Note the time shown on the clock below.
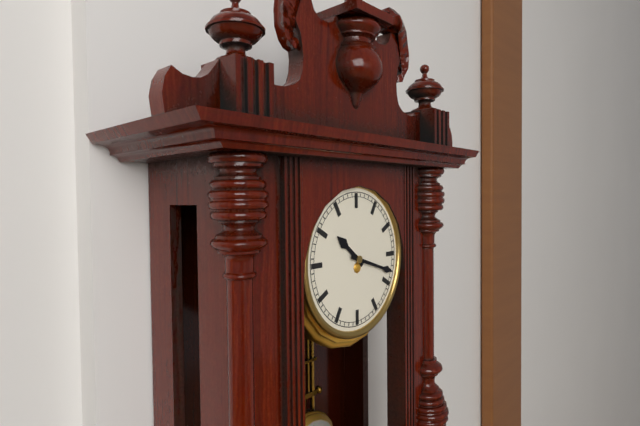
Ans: 10:18
